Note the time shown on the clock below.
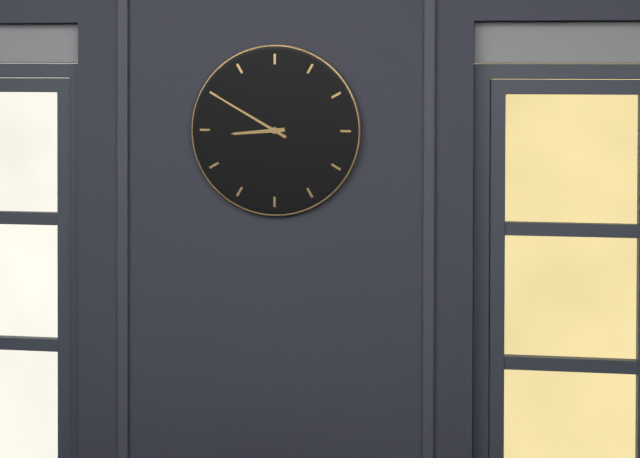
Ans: 8:50
